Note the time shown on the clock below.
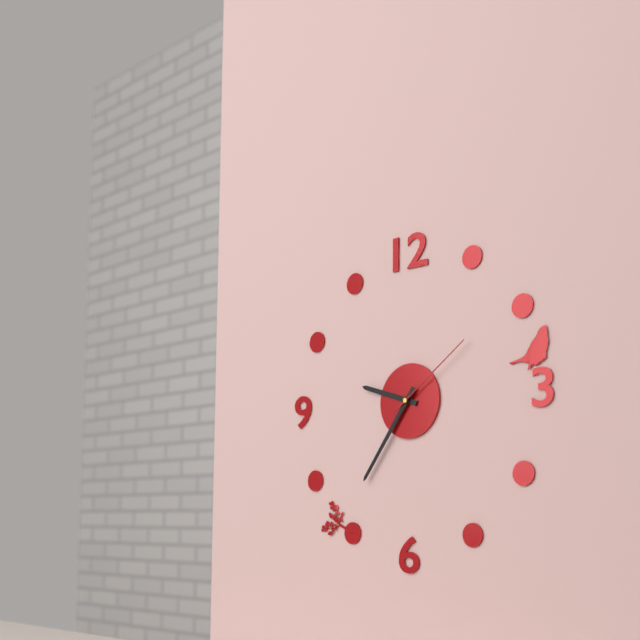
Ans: 9:36:09
